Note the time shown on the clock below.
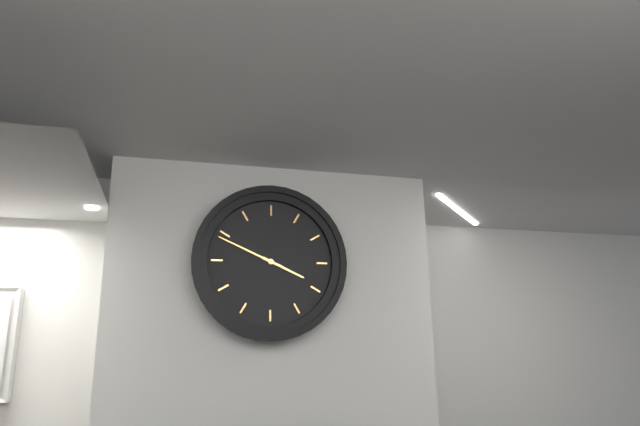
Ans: 3:49
